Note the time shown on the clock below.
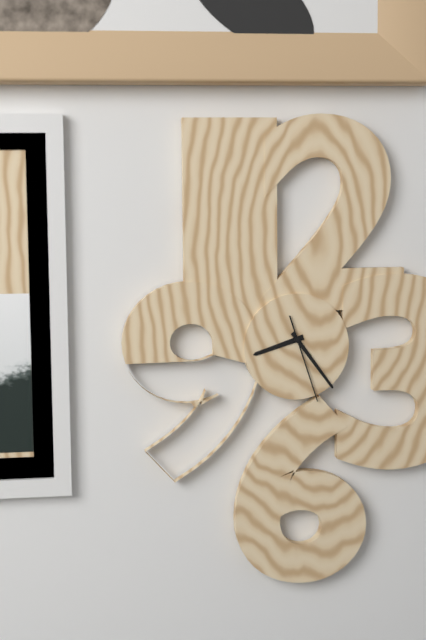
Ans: 8:24:27
